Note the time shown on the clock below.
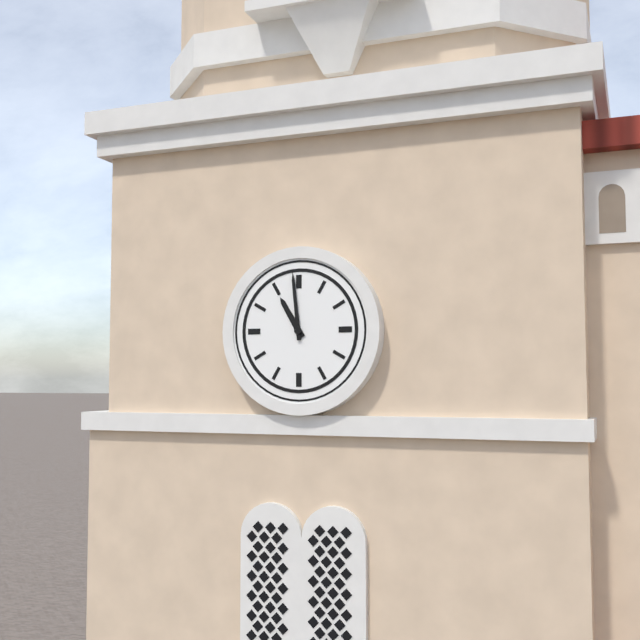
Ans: 10:59
